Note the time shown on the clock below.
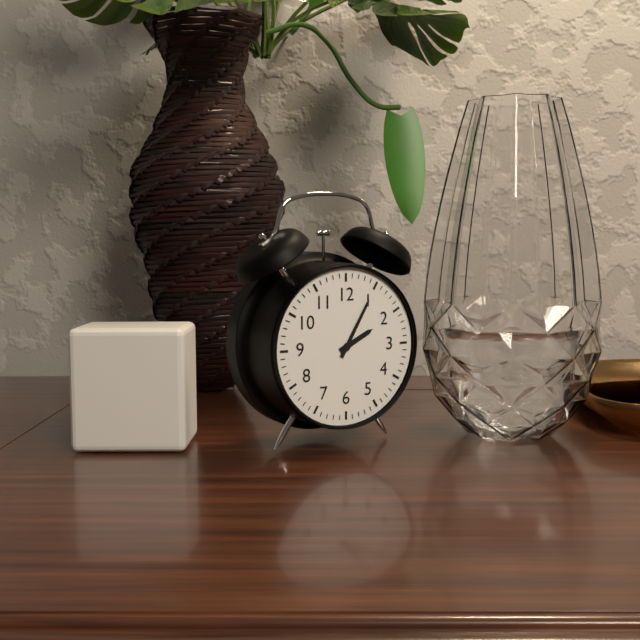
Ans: 2:05
